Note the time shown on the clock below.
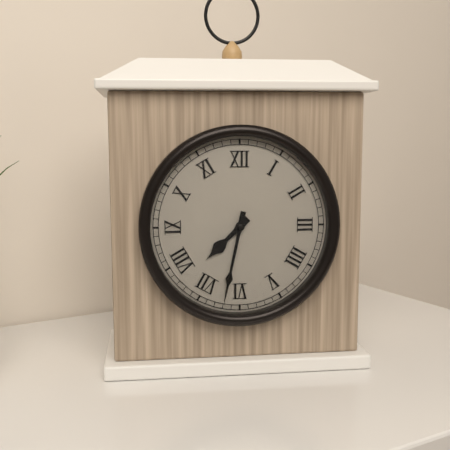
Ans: 7:32
